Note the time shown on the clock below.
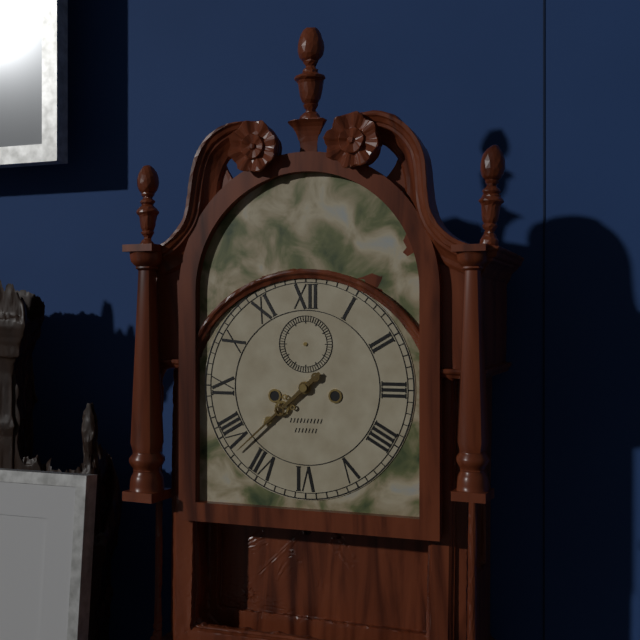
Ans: 7:38
